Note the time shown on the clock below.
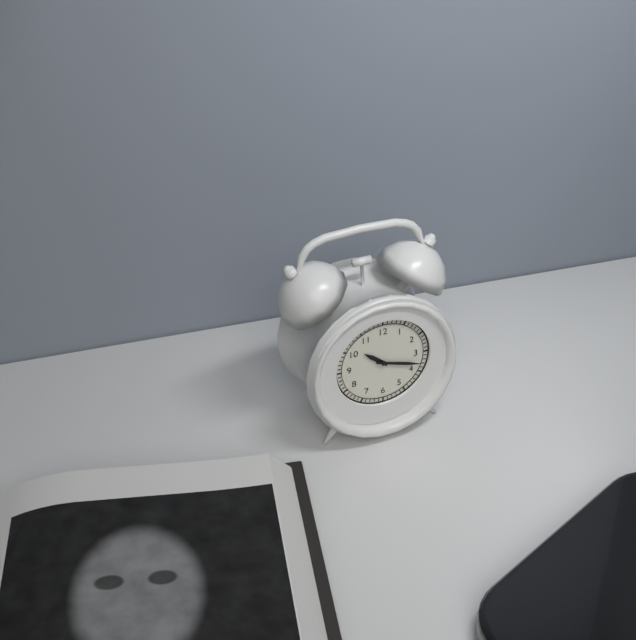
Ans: 10:18
